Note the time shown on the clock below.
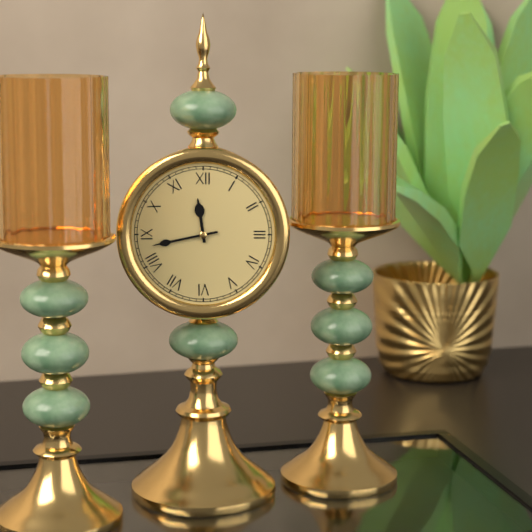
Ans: 11:43
